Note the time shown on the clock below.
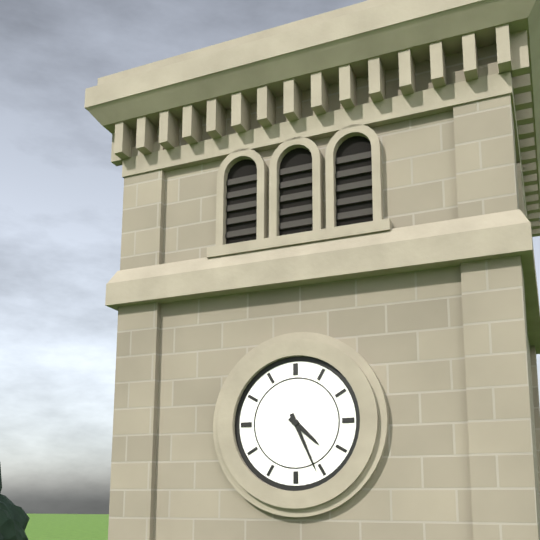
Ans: 4:26
